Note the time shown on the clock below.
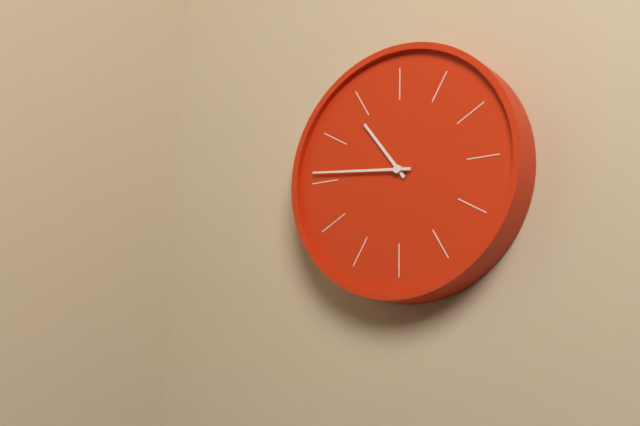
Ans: 10:46
